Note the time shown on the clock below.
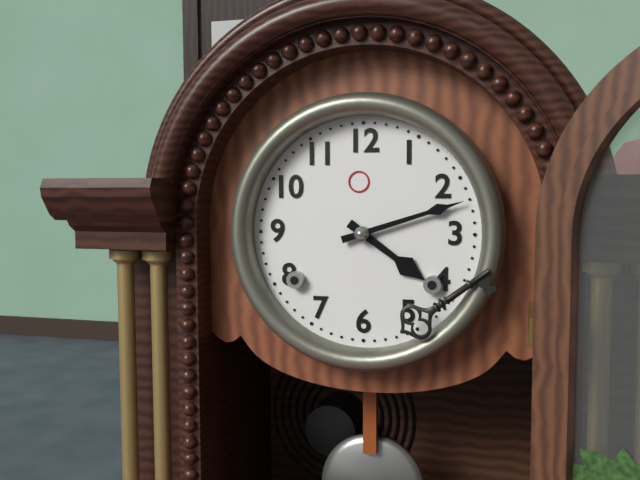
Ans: 4:12
